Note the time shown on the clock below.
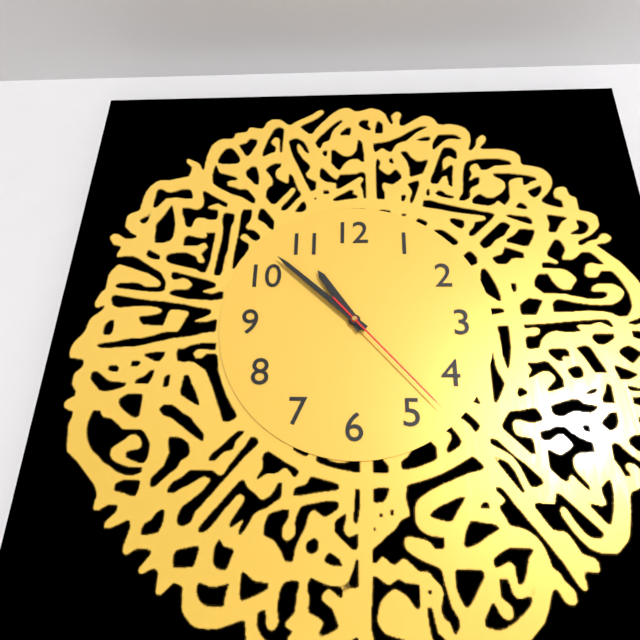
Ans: 10:52:23
